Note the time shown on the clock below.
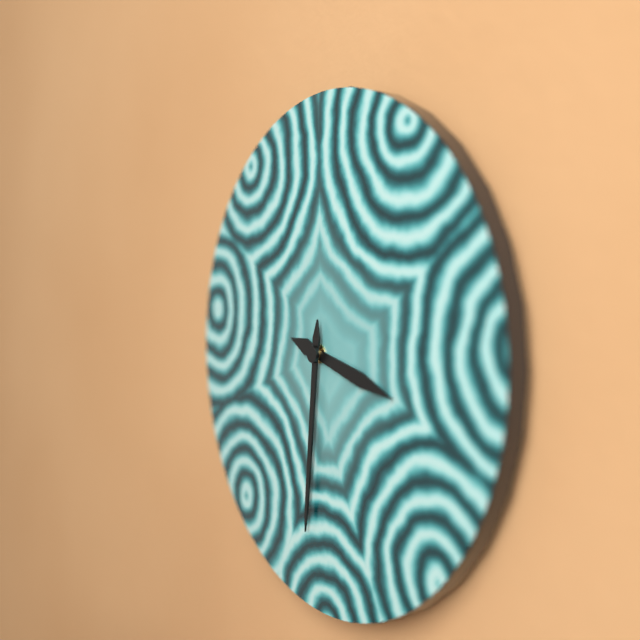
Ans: 3:31
